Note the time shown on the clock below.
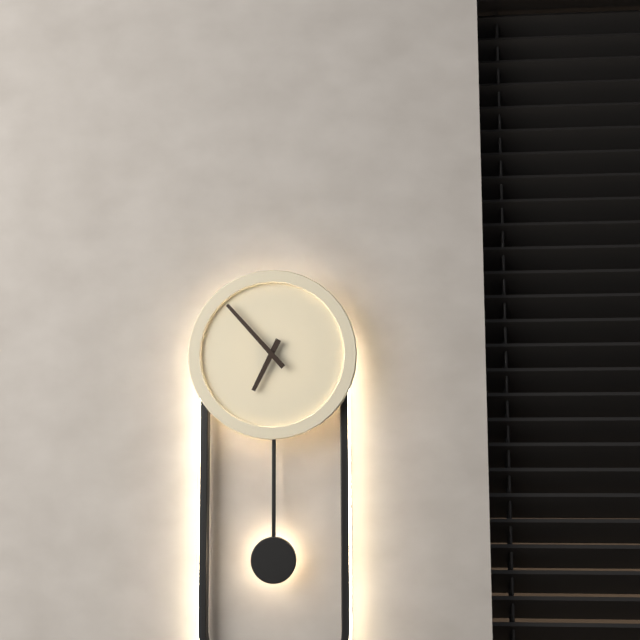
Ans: 6:53
